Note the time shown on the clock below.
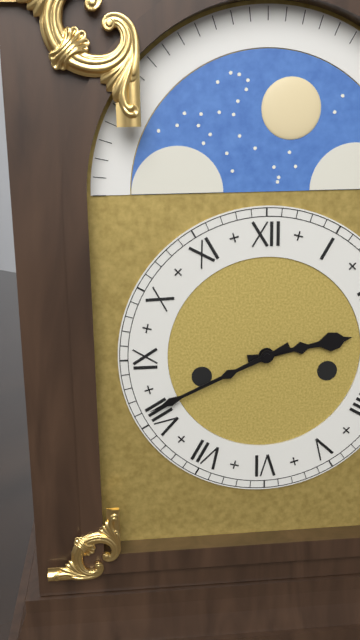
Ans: 2:41
